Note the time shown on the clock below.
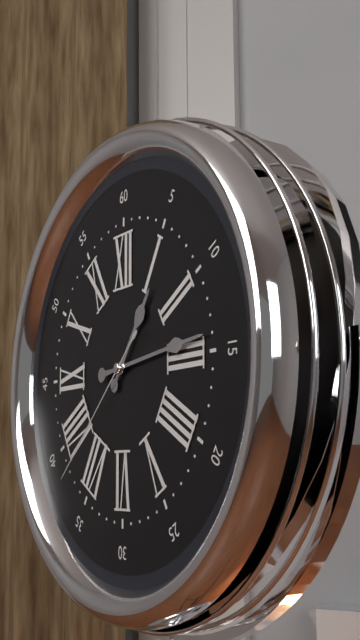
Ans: 1:14:38
